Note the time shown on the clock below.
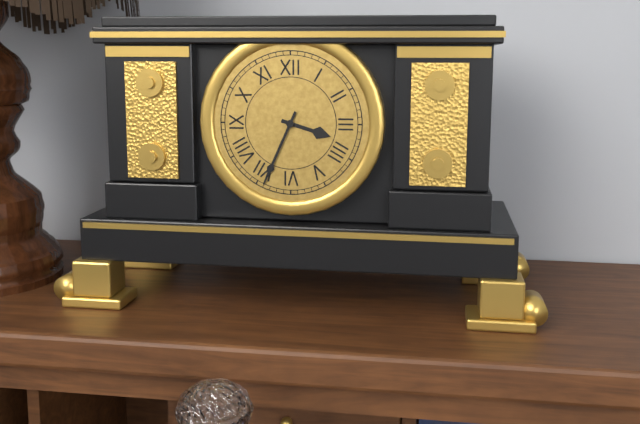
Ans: 3:34
